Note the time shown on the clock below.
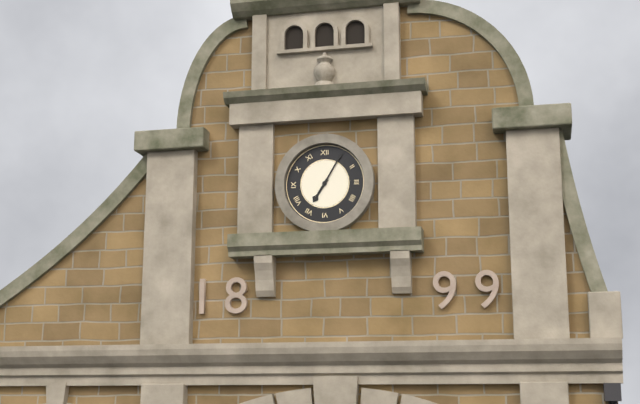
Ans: 7:05
